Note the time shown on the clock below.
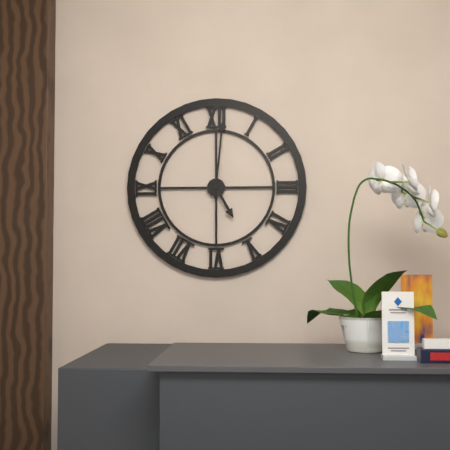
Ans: 5:01
